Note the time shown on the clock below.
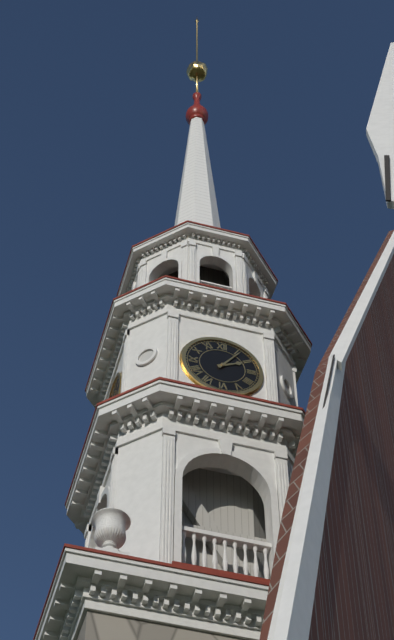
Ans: 2:06
